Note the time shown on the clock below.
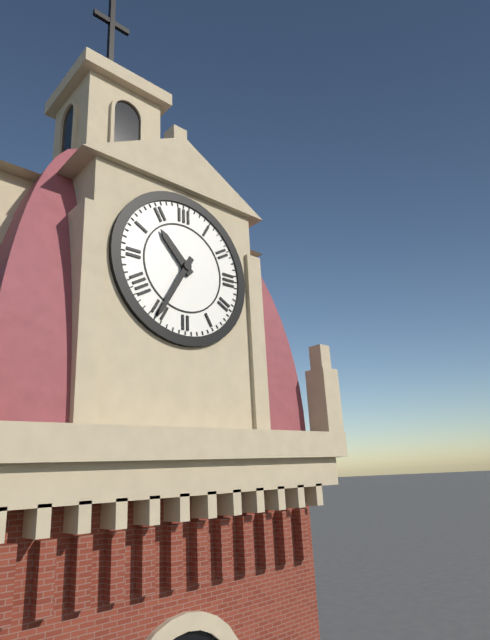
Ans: 10:35
